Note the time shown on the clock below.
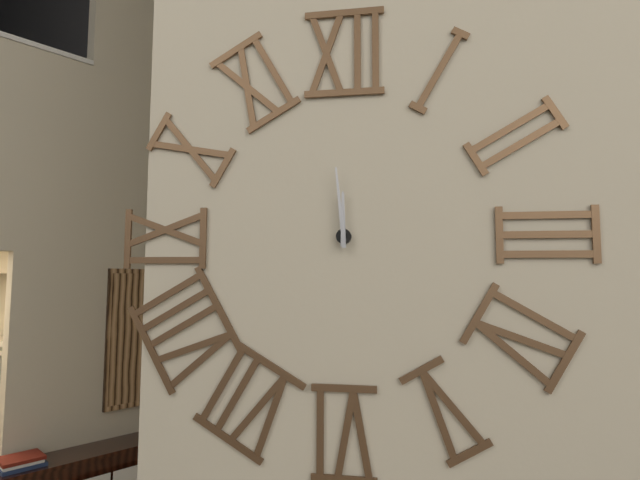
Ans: 11:59
